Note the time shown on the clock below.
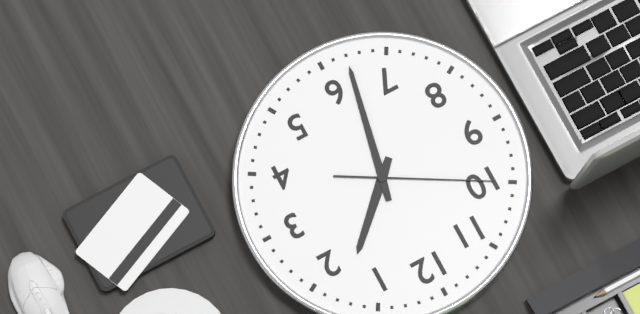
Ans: 1:32:50
